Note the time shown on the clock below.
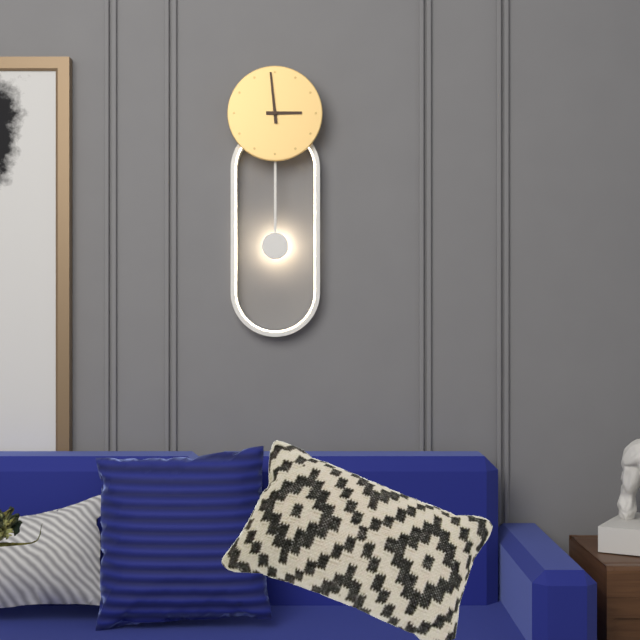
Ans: 2:59
